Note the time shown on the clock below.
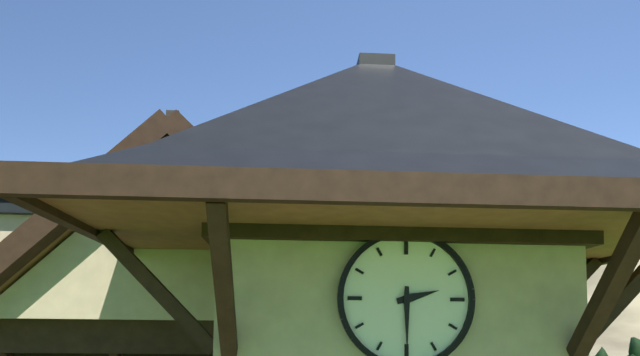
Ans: 2:30
